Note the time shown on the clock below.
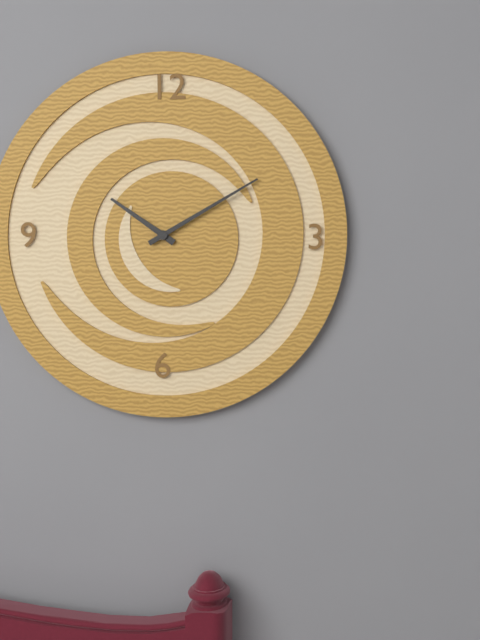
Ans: 10:10
